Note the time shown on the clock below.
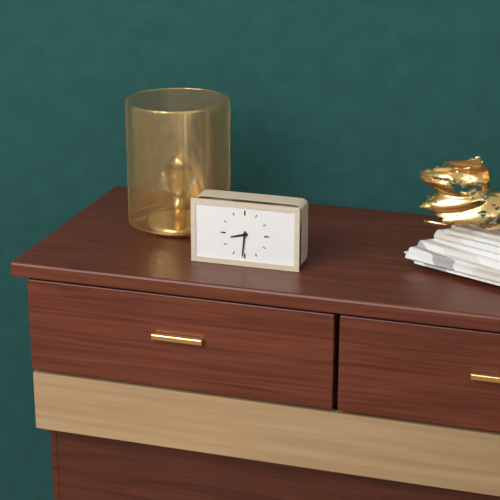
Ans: 8:31
